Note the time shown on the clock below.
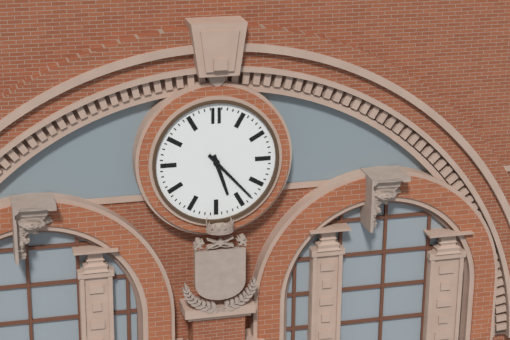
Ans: 5:23
